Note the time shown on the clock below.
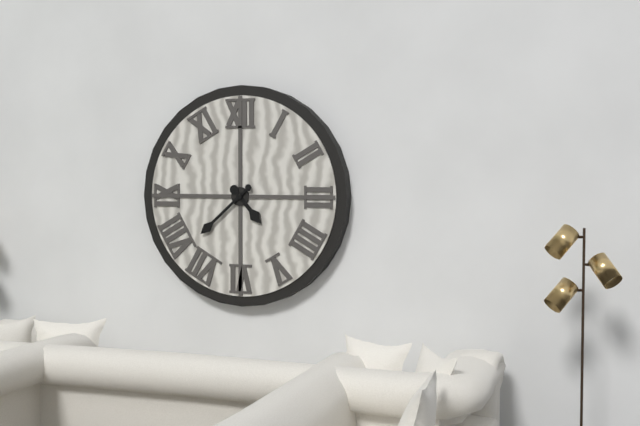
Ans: 4:38
